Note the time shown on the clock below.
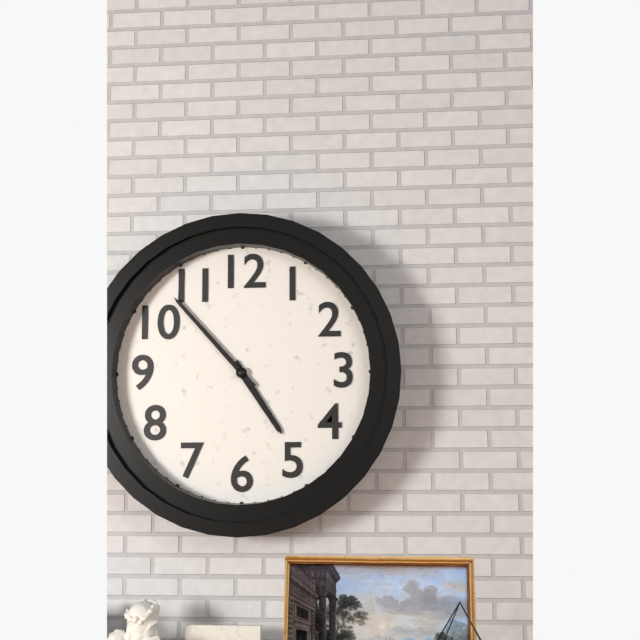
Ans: 4:53
